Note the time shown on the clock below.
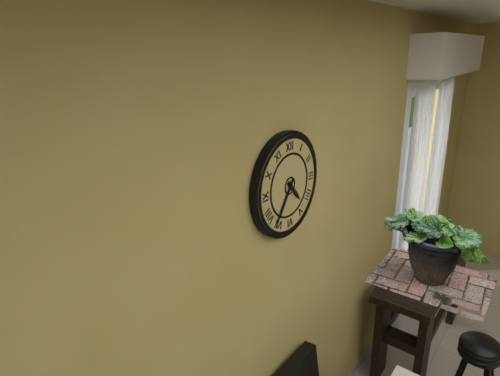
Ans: 4:36
